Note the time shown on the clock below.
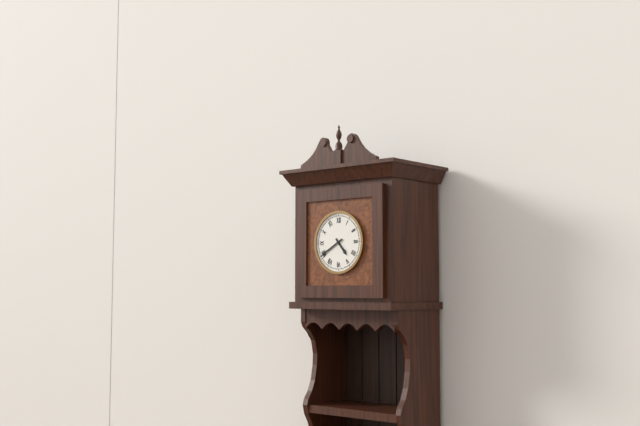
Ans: 4:40
